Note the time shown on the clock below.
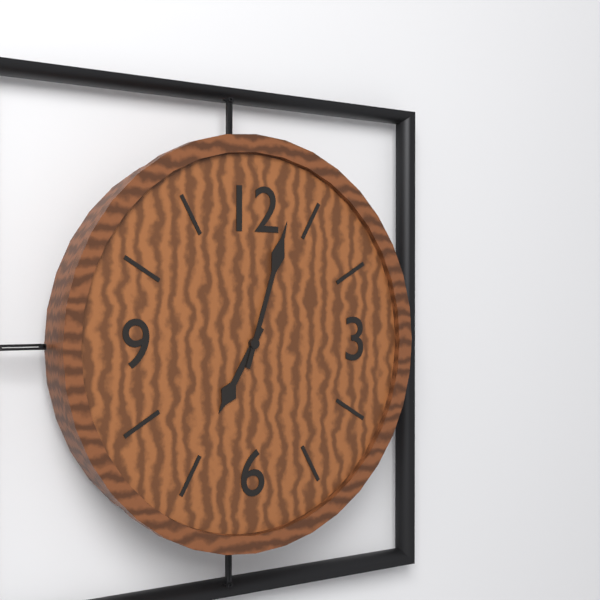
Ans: 7:03
